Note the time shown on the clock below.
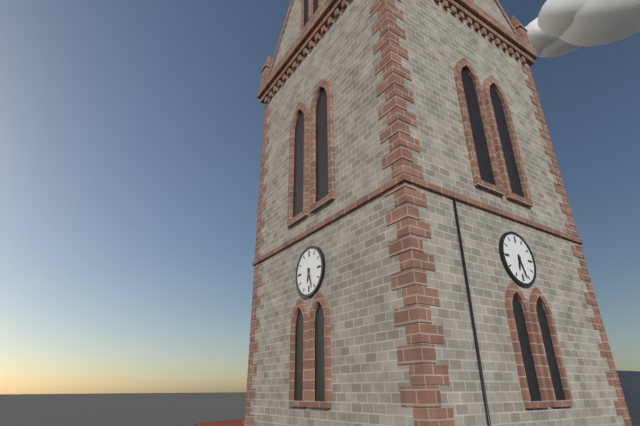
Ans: 6:27
